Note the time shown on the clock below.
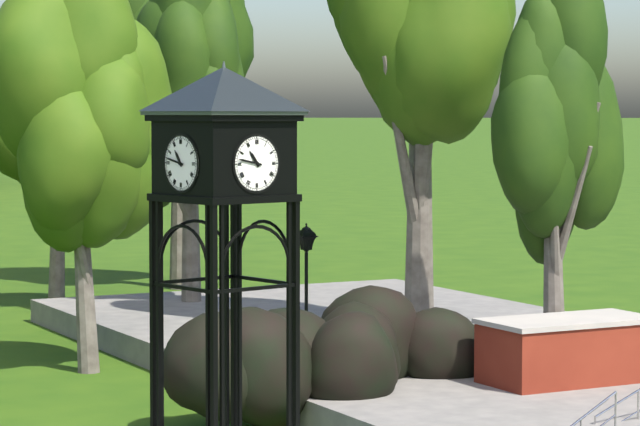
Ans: 10:47
